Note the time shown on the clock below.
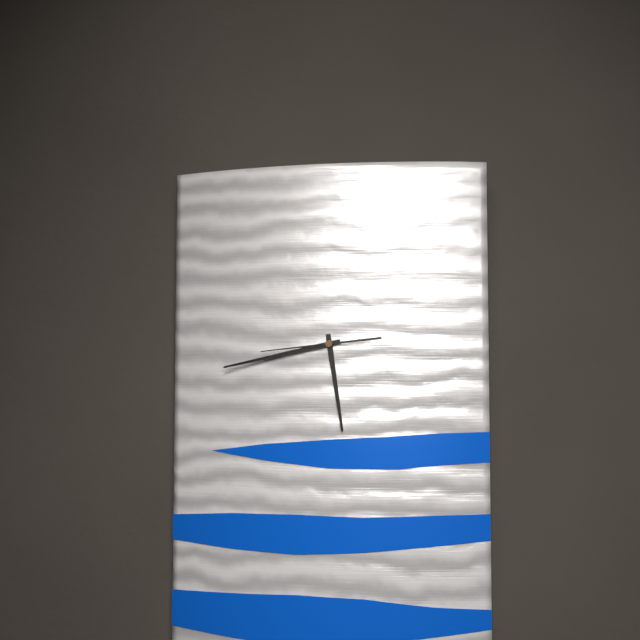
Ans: 5:43:44
